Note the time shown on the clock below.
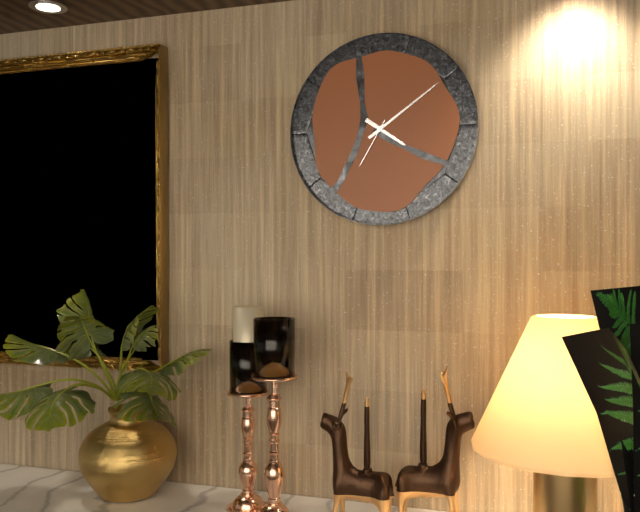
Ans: 4:09:35
